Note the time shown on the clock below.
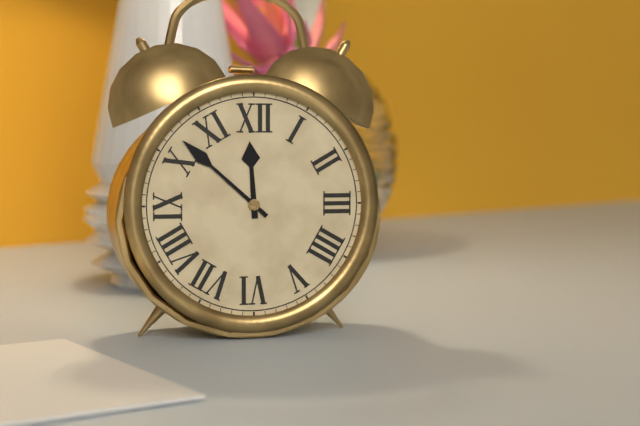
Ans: 11:52
